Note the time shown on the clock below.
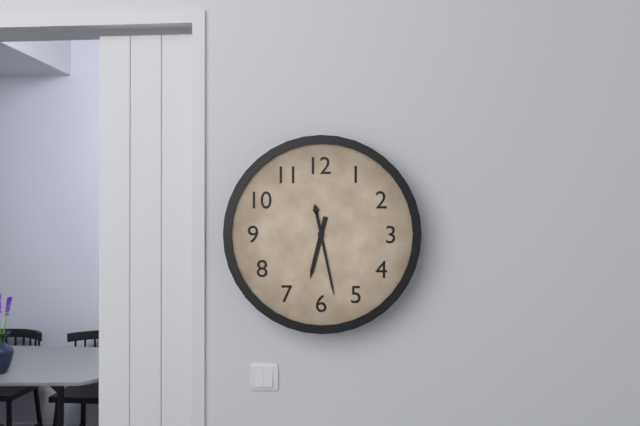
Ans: 6:28
